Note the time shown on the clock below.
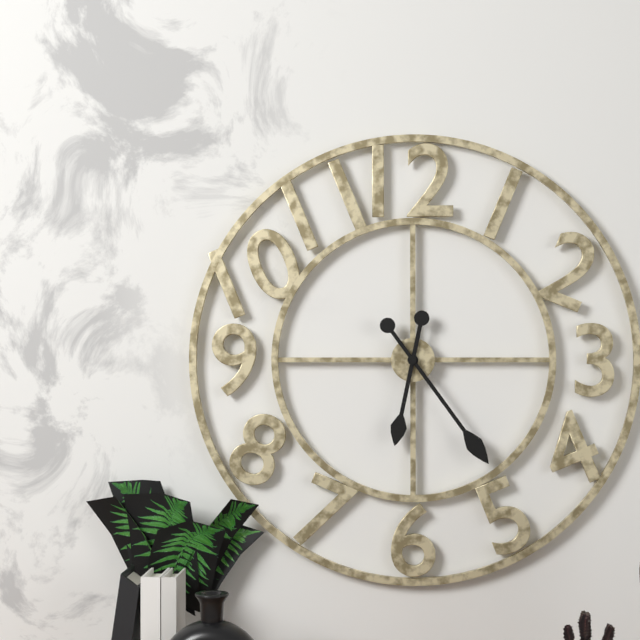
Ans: 6:24
